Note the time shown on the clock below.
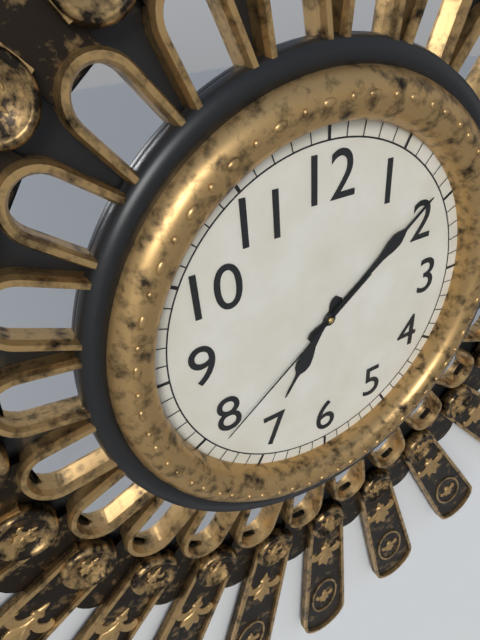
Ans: 7:09:39
